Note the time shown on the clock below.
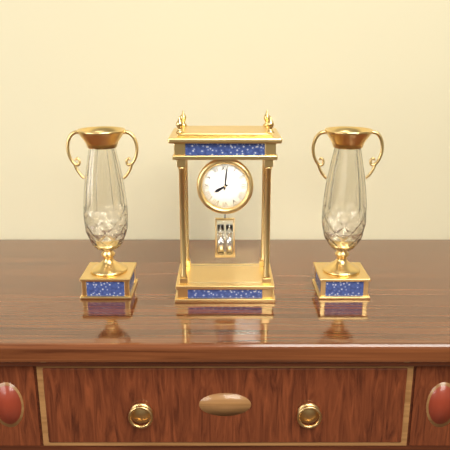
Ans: 8:01
